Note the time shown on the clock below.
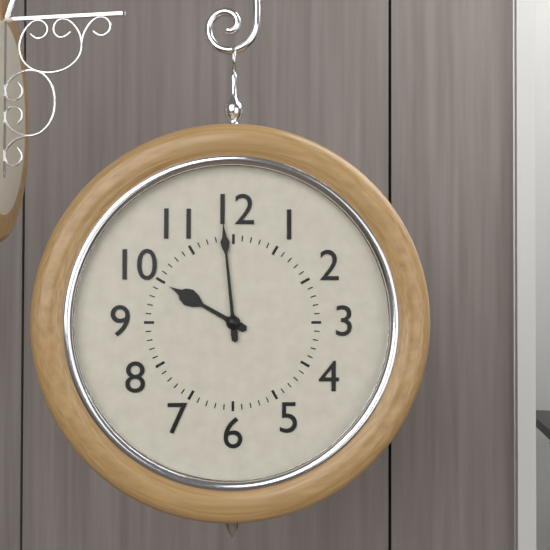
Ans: 9:59
